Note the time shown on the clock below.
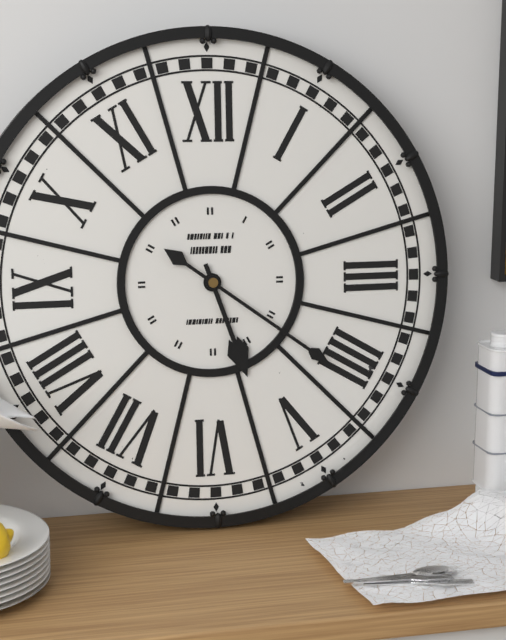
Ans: 5:21
